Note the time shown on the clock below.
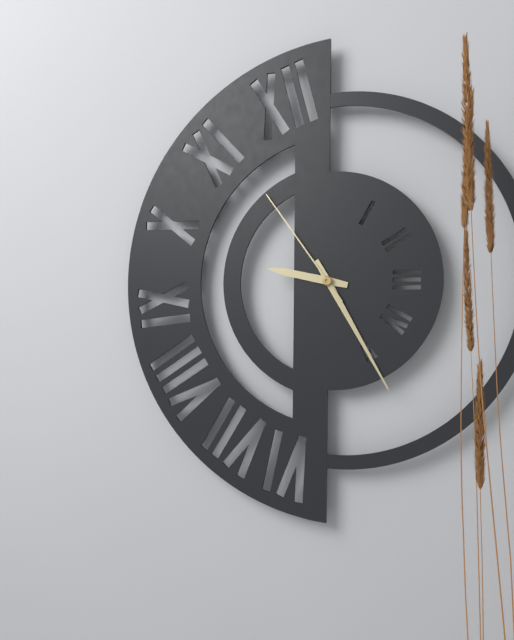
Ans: 9:25:54
